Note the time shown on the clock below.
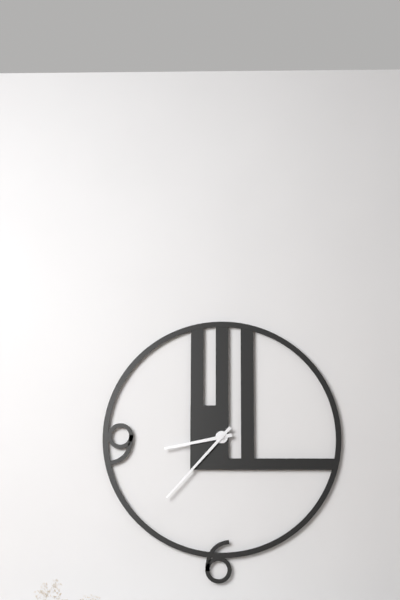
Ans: 8:37
